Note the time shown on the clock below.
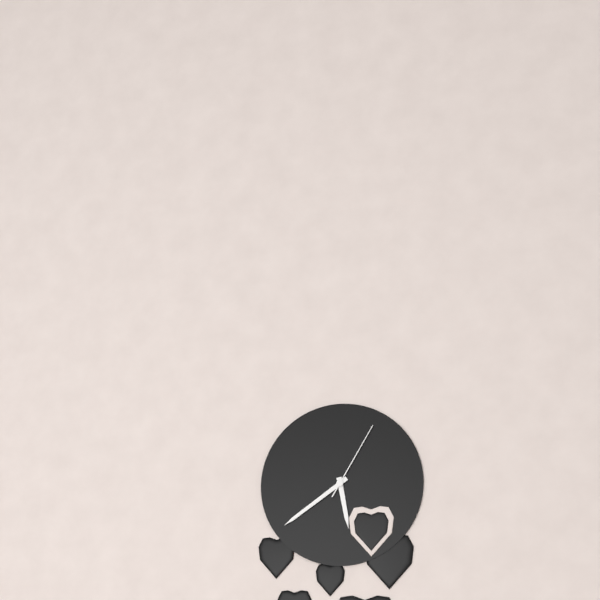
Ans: 5:39:05
